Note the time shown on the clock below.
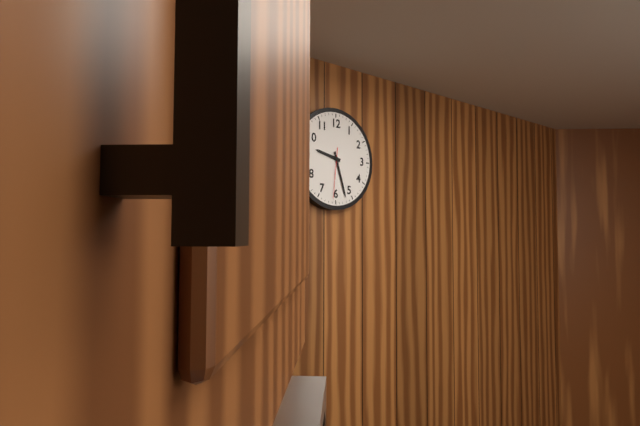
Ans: 9:27:31
